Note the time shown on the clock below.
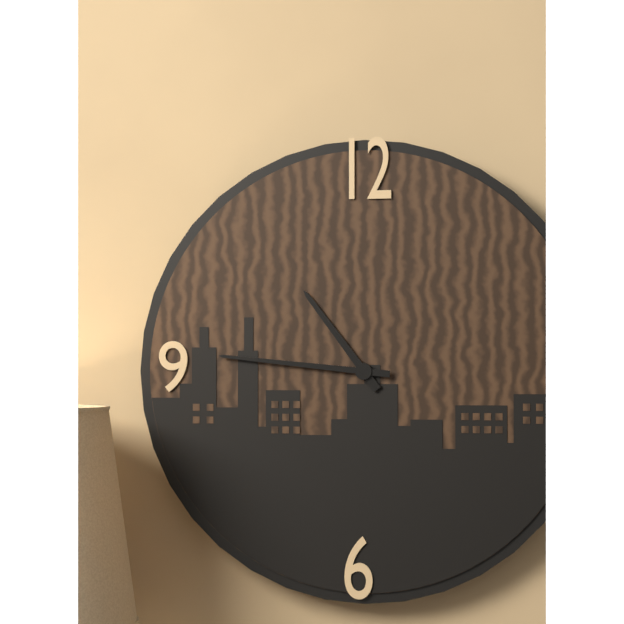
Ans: 10:46
